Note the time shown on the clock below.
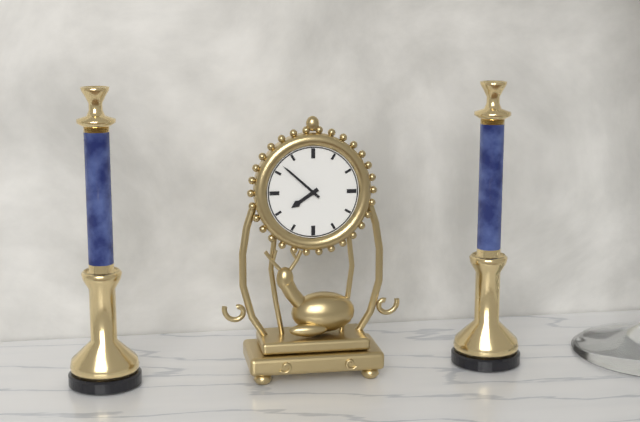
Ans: 7:52
